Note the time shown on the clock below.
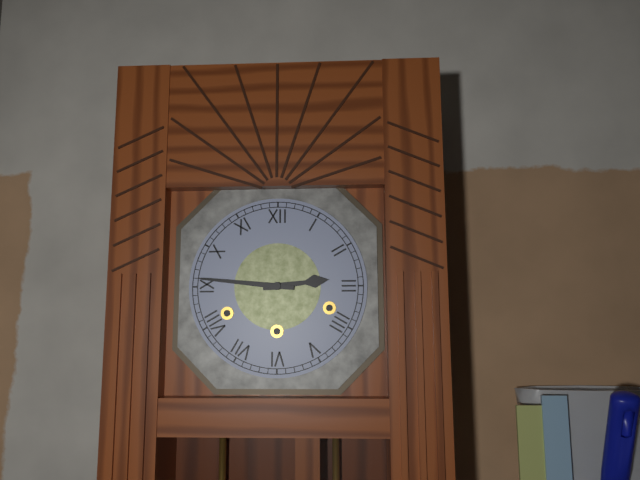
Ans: 2:46
